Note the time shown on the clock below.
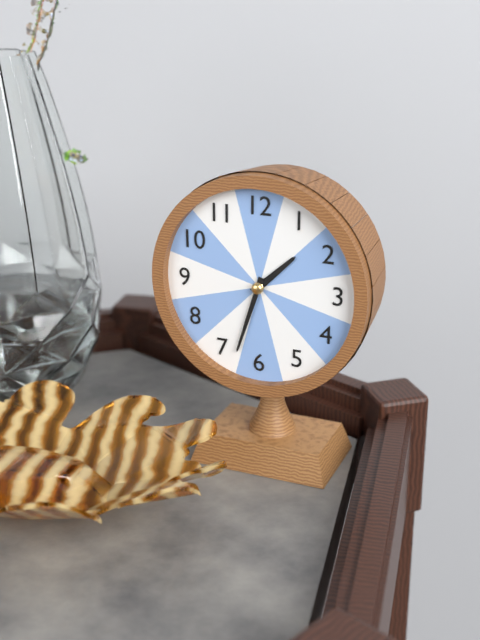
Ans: 1:33
